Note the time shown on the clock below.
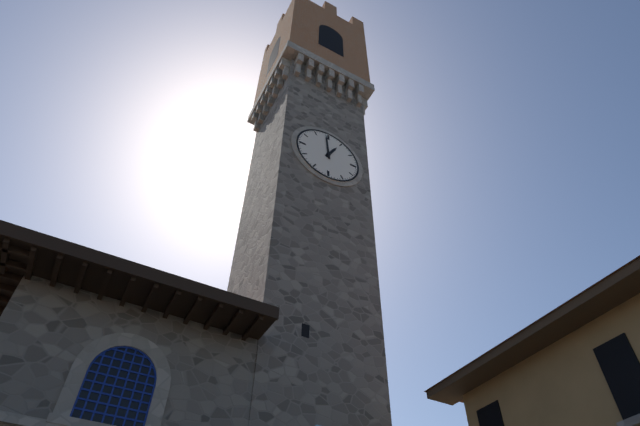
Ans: 12:59
